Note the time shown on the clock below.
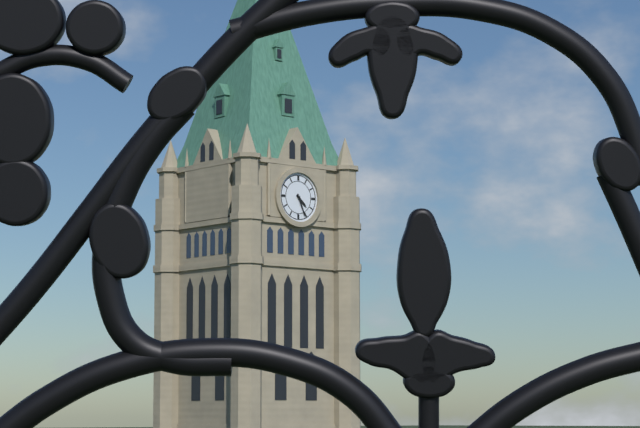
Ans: 4:26
